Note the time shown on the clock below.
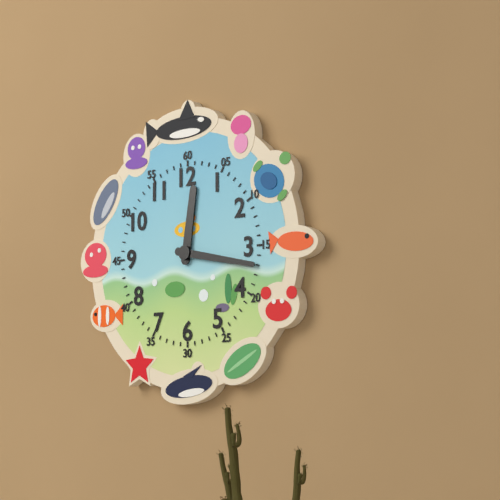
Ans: 12:17
